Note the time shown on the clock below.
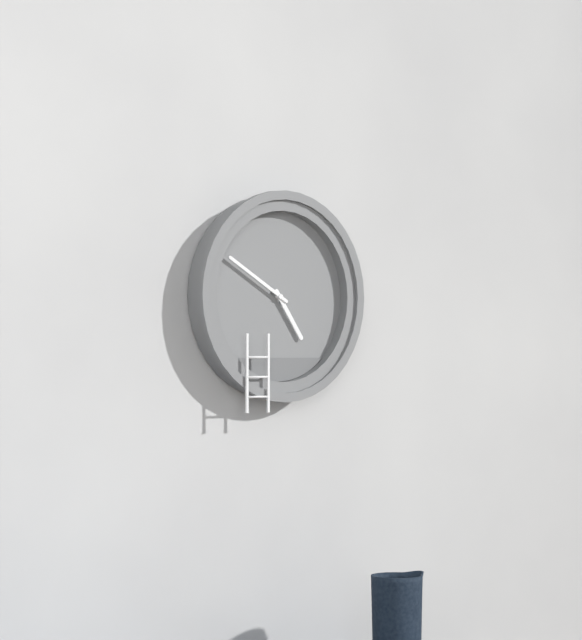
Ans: 4:50
